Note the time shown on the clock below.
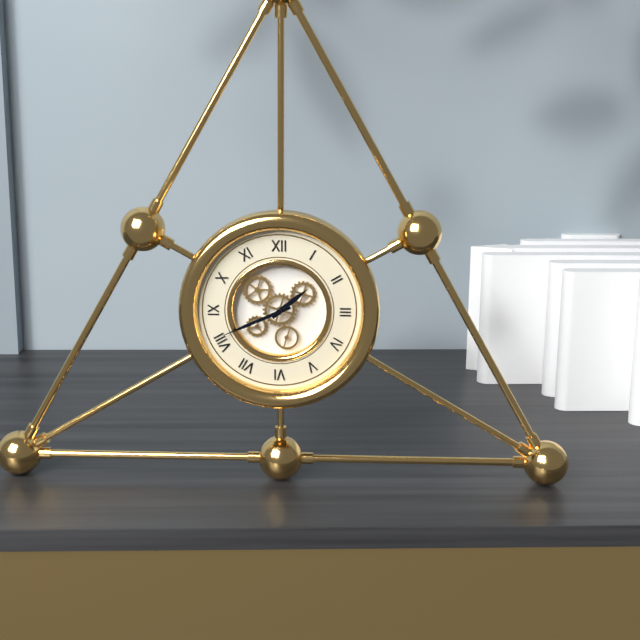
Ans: 1:41
